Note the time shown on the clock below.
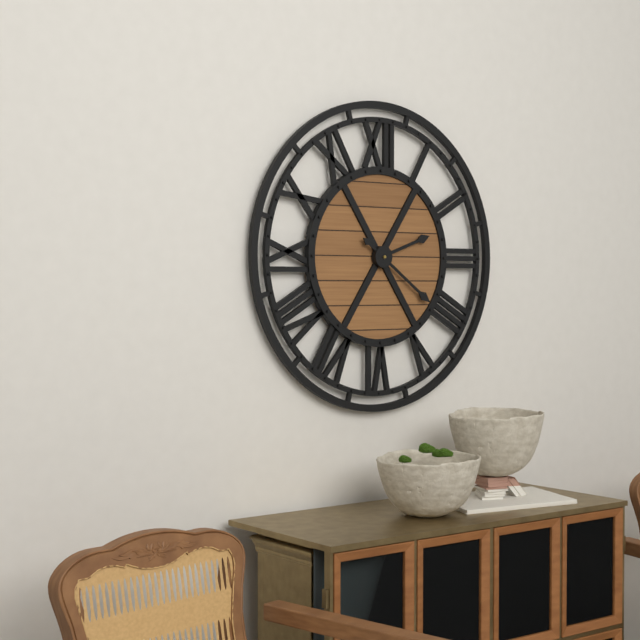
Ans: 2:21
